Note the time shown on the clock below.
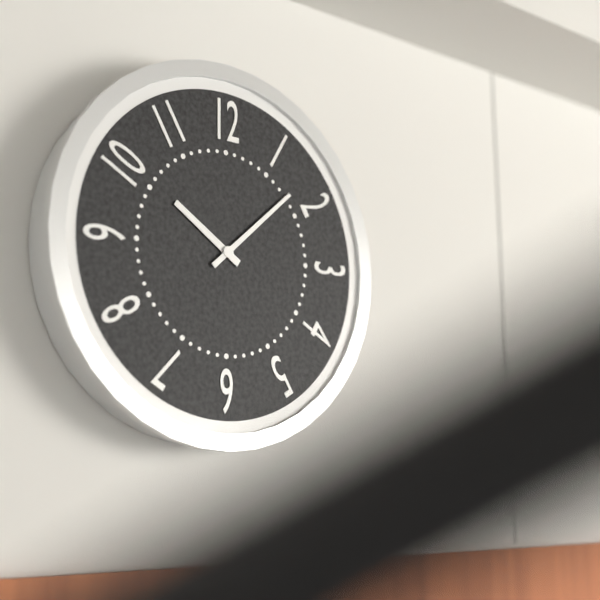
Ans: 10:08
